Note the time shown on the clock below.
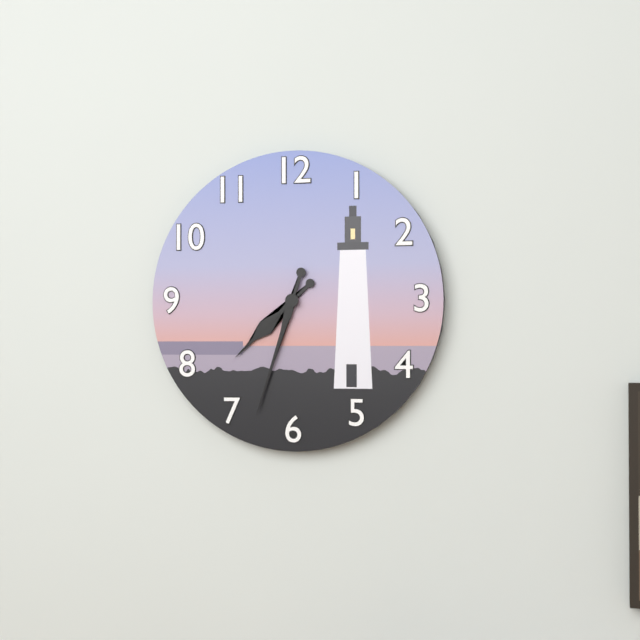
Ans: 7:33
